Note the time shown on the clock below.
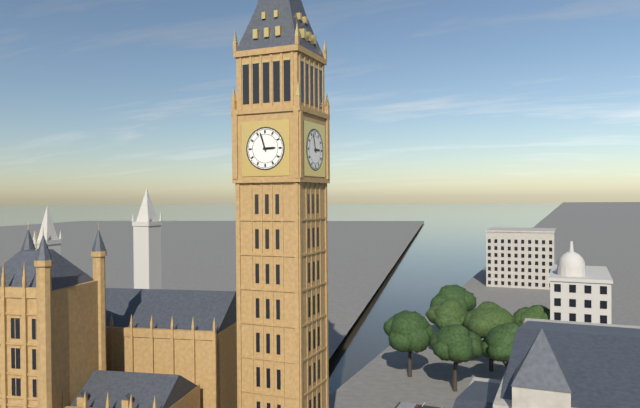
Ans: 2:57
